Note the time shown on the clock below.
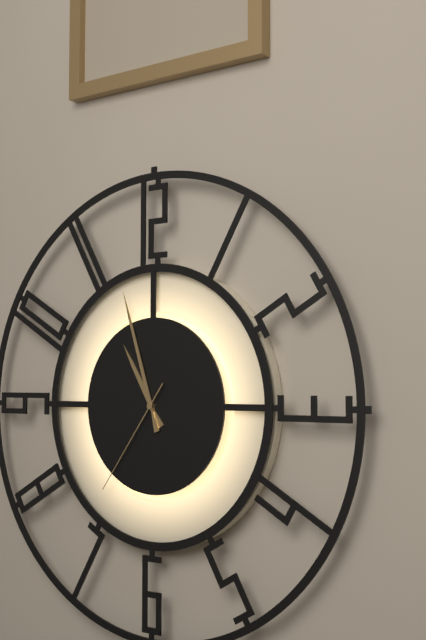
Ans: 10:57:36
